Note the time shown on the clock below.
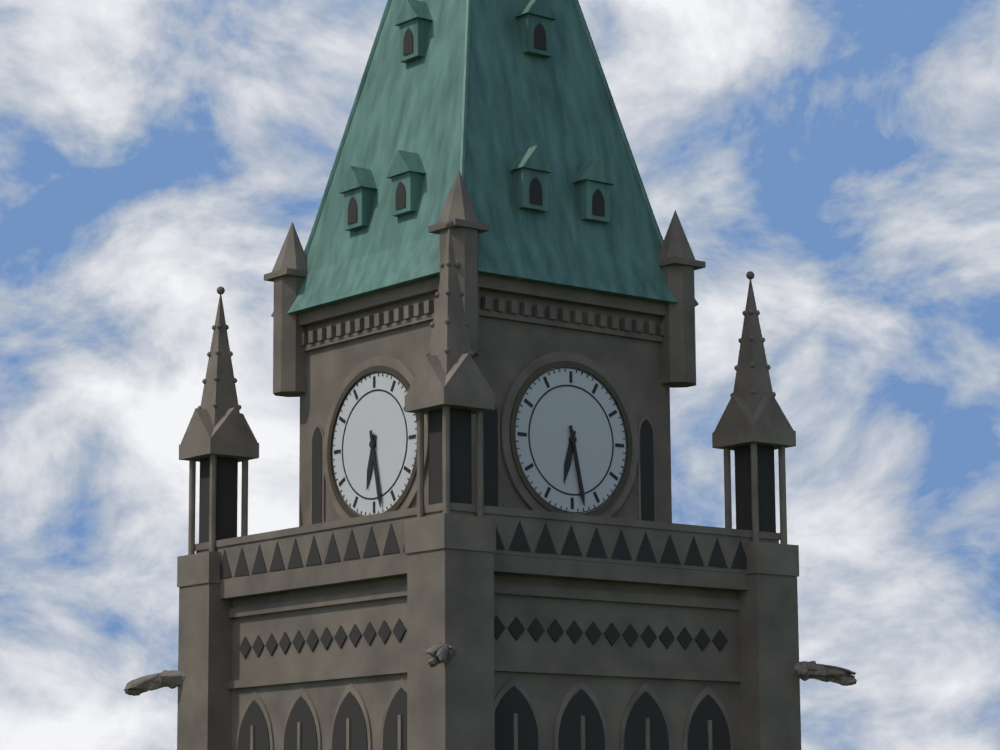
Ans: 6:28
